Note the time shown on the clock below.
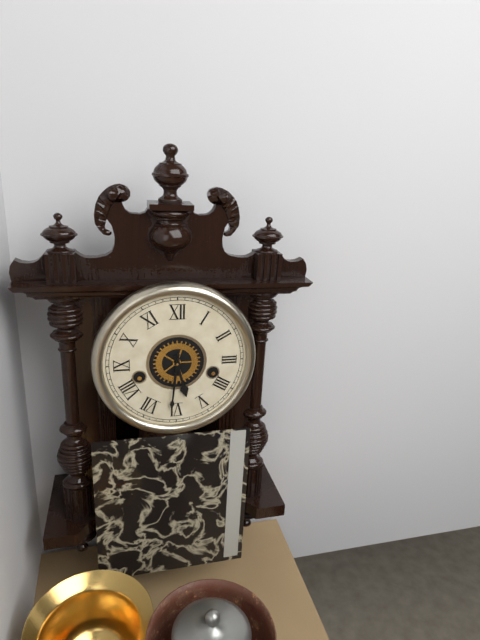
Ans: 5:31
